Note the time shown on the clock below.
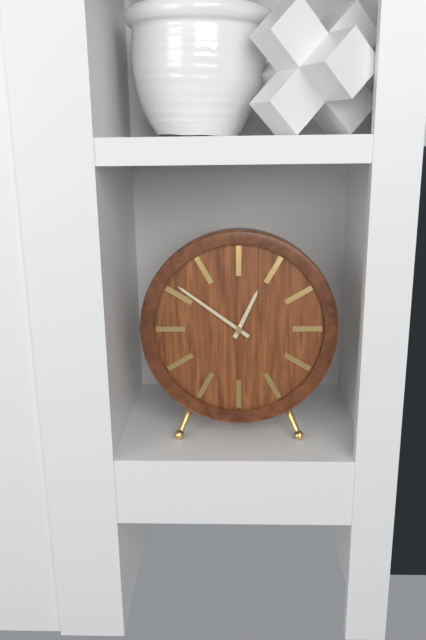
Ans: 12:51
